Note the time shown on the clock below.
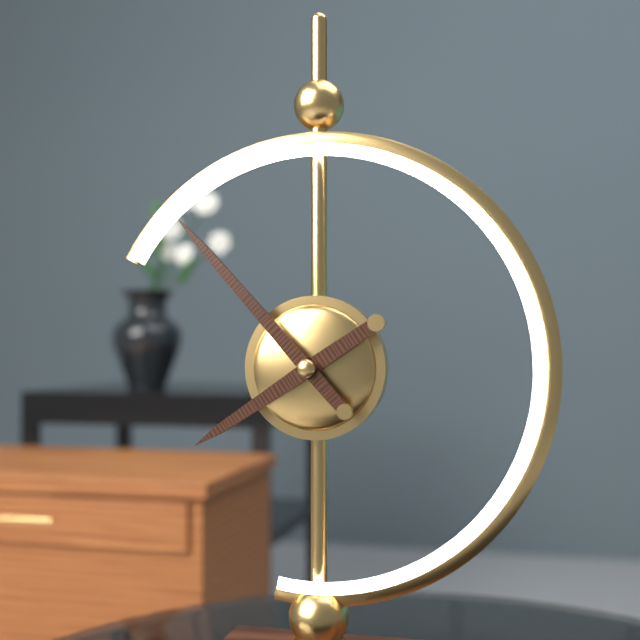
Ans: 7:53
